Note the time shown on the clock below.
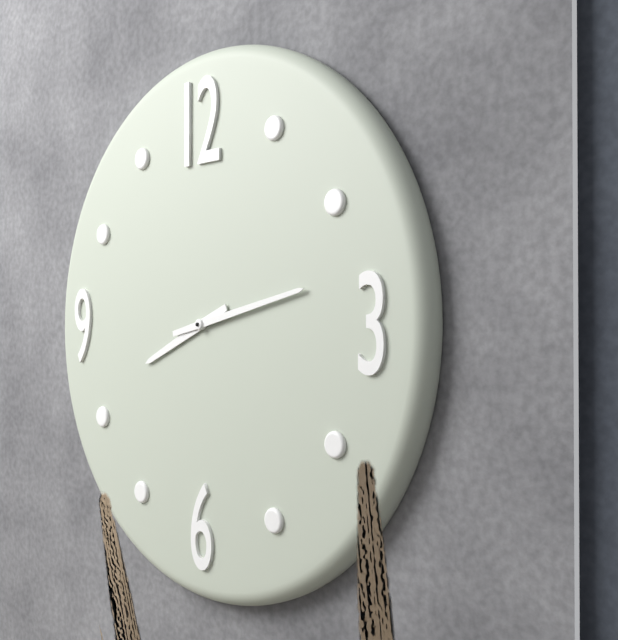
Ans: 8:13
